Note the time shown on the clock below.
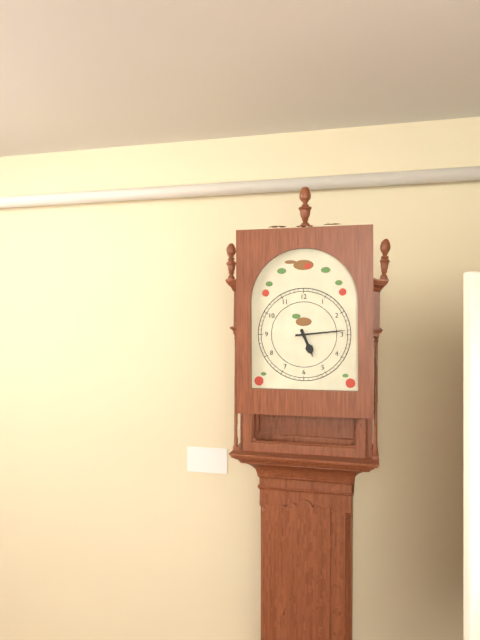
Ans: 5:14
